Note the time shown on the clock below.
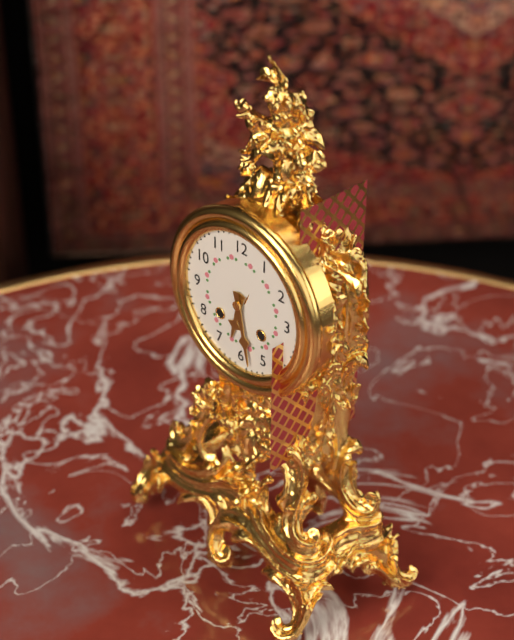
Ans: 6:28
